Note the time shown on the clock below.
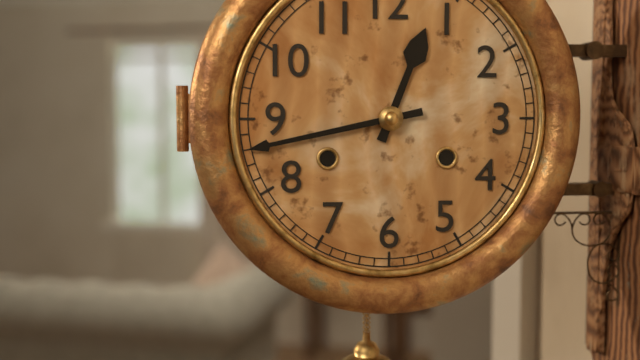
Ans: 12:43
